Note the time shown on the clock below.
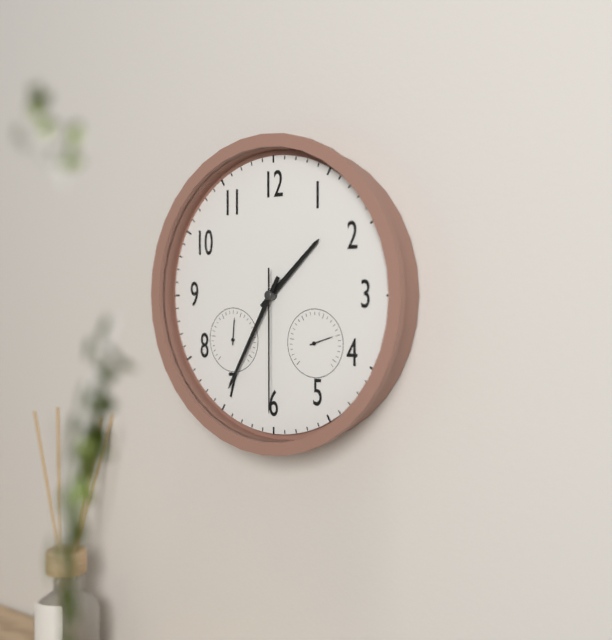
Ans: 1:35:30
